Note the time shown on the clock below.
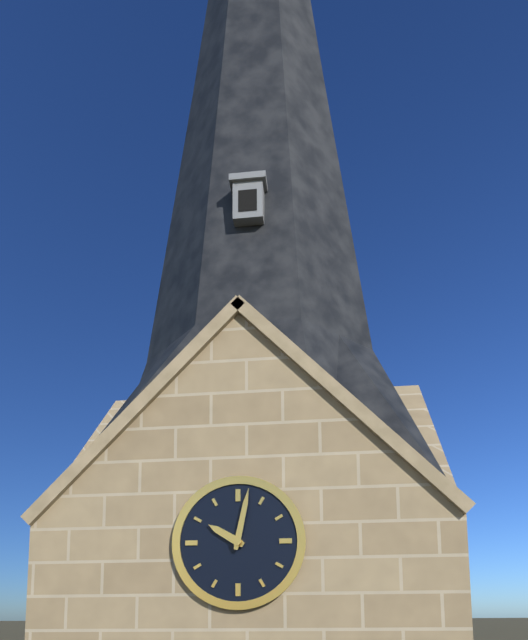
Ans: 10:02
